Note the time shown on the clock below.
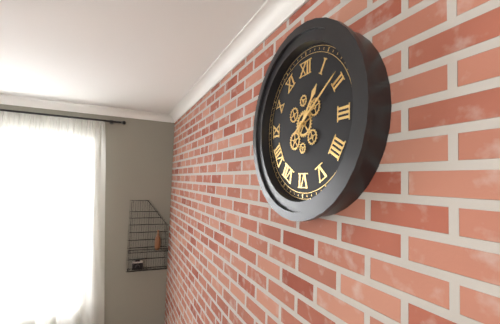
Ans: 1:09
